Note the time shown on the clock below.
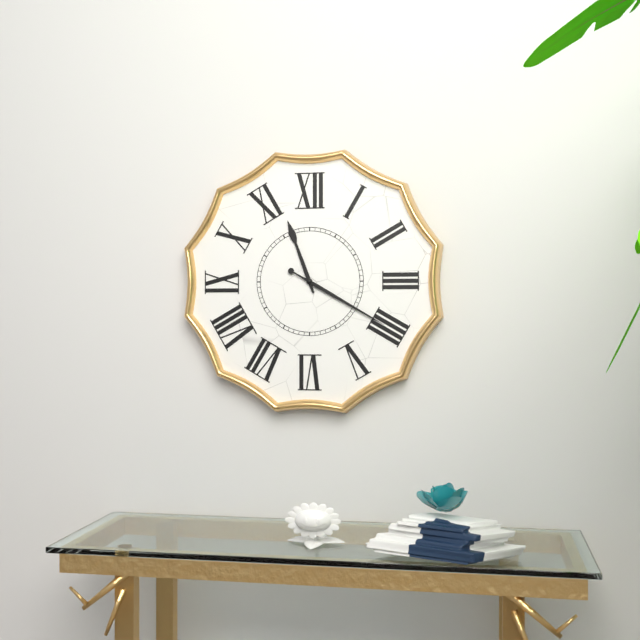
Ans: 11:20
